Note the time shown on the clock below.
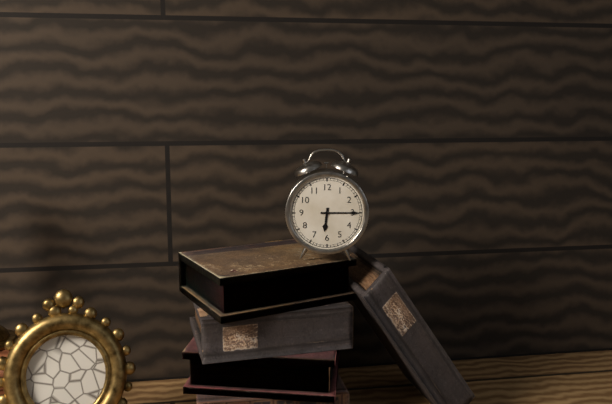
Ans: 6:15
